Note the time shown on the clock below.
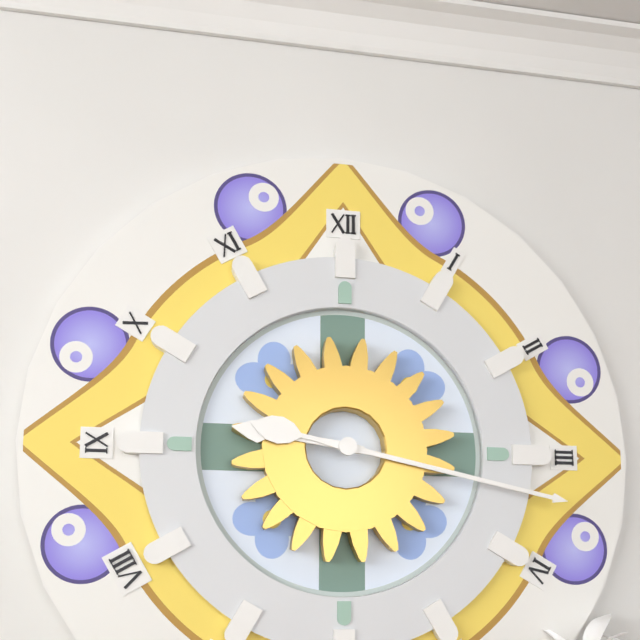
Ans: 9:17
